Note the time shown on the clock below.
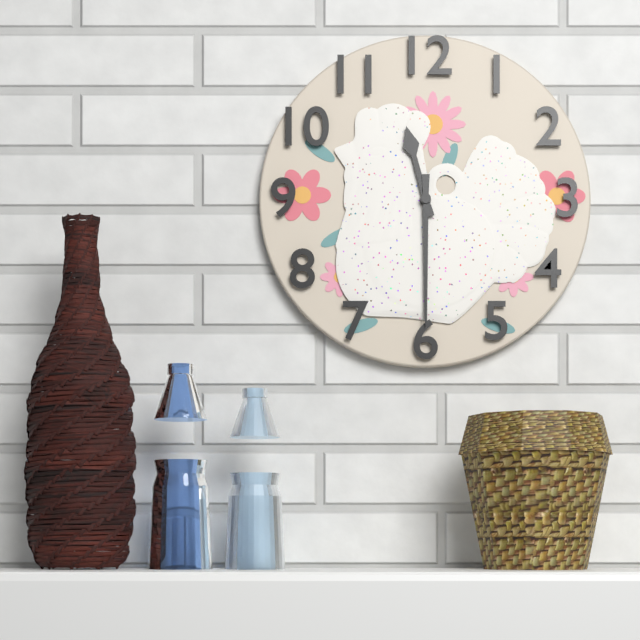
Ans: 11:30
